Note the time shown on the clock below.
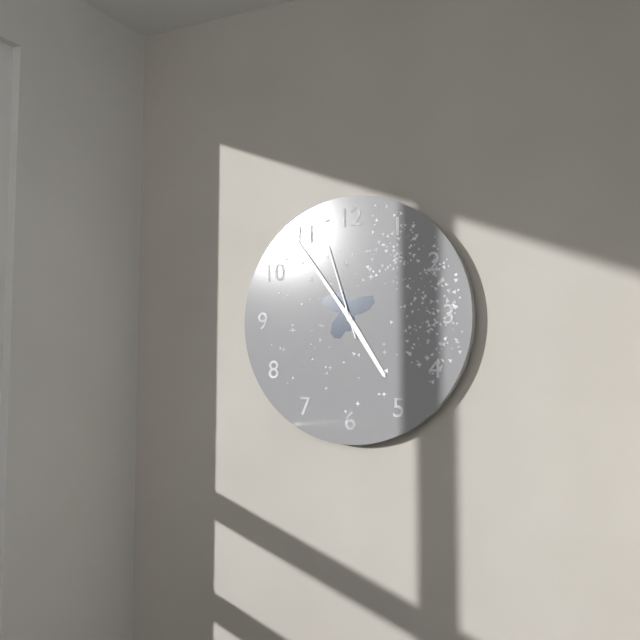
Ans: 4:54:57
